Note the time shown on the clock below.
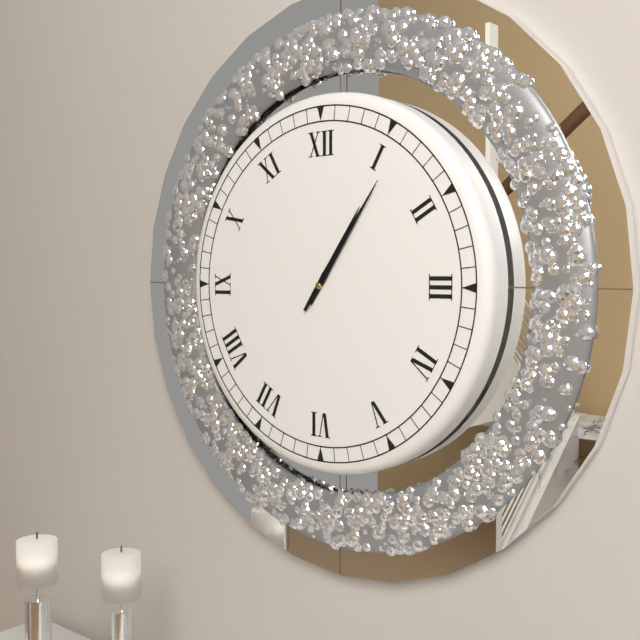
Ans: 1:06
